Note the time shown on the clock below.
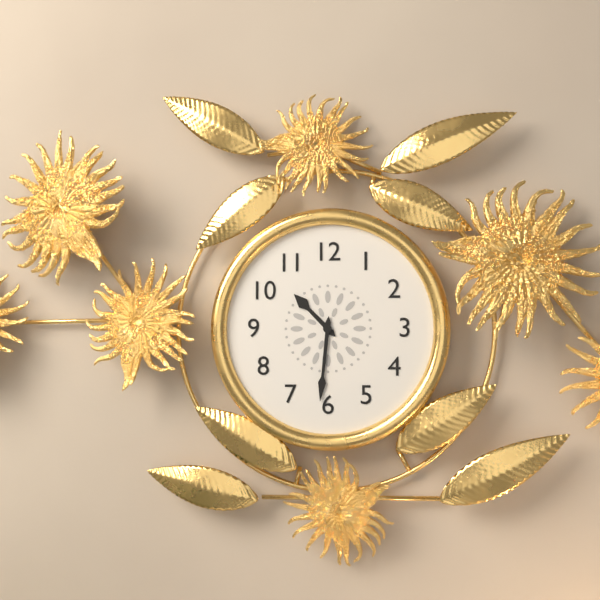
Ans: 10:31
